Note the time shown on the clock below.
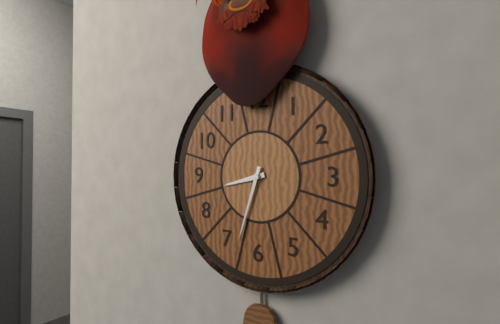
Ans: 8:33
